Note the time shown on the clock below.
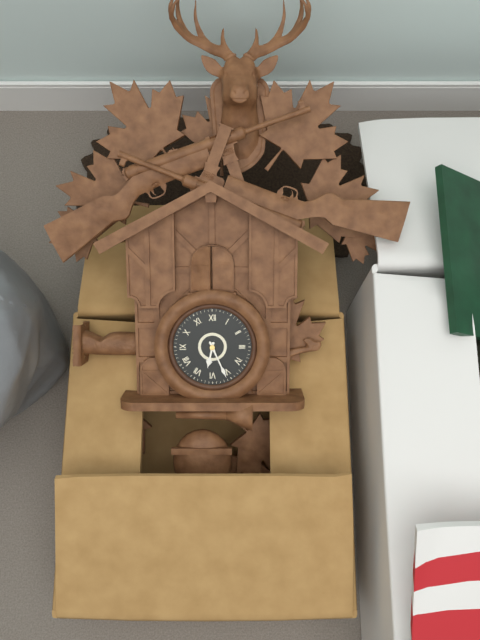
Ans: 6:26
